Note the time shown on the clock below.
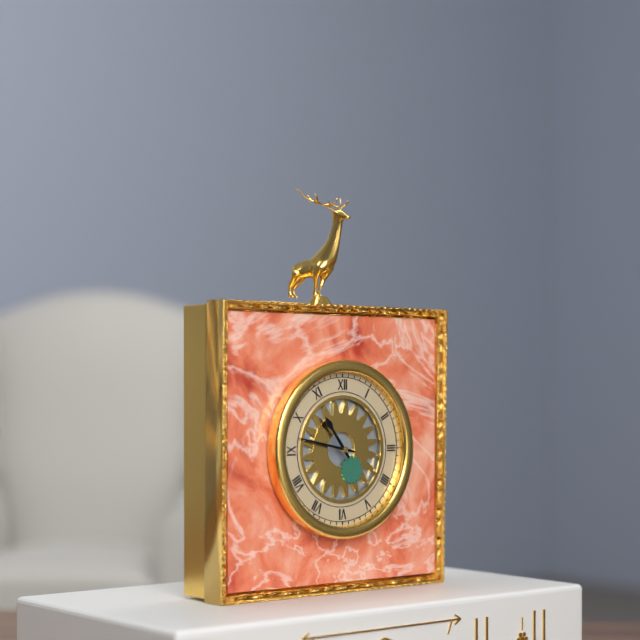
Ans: 10:47
